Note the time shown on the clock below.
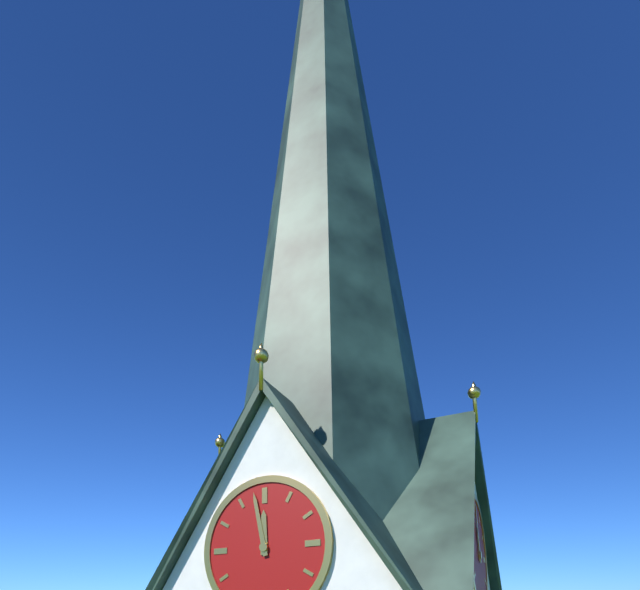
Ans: 11:58
